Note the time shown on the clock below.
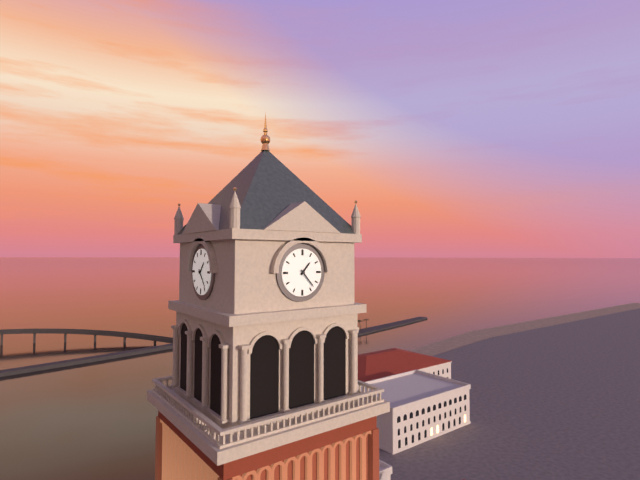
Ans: 1:23
